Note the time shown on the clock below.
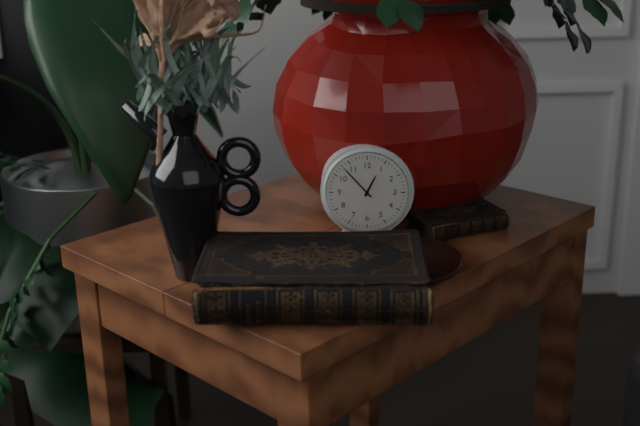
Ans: 12:53
